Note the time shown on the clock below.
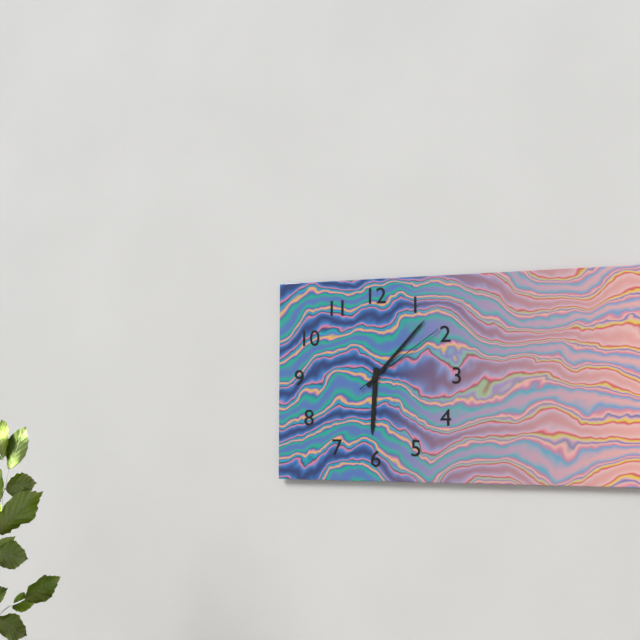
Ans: 6:07:09
